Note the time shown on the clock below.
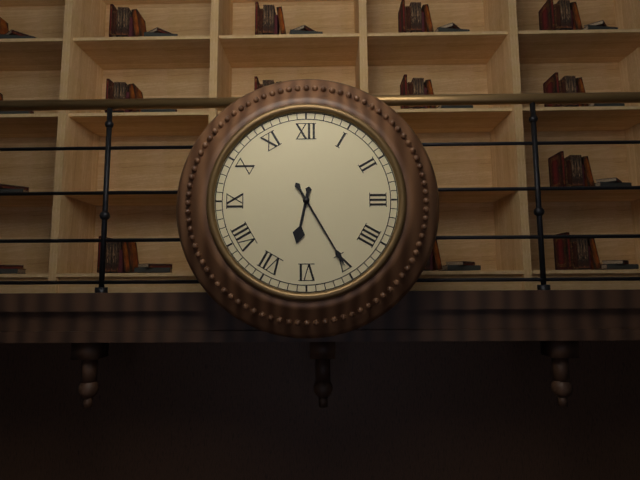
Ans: 6:25
